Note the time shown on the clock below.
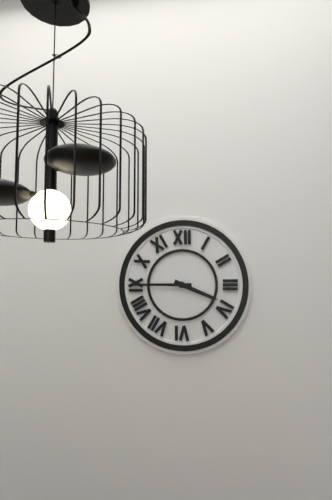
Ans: 3:45
